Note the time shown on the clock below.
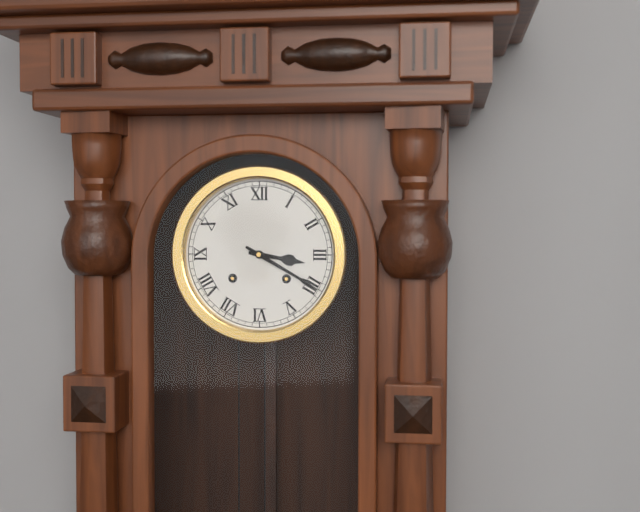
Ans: 3:20
